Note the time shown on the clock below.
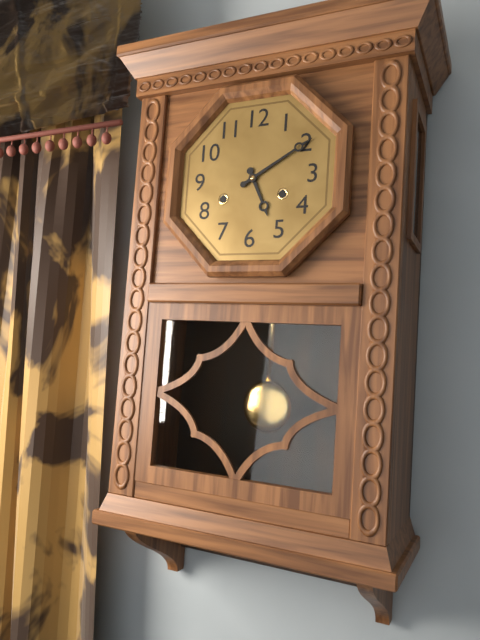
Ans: 5:10
